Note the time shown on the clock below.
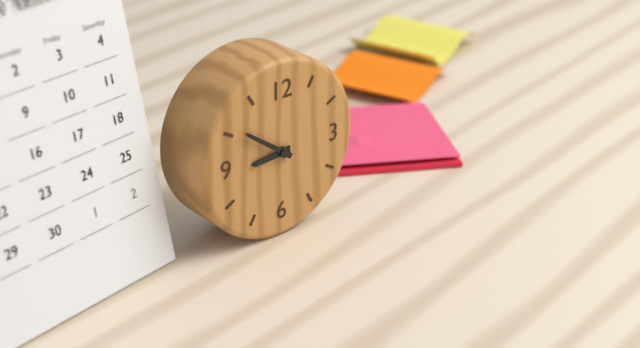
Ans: 8:51
